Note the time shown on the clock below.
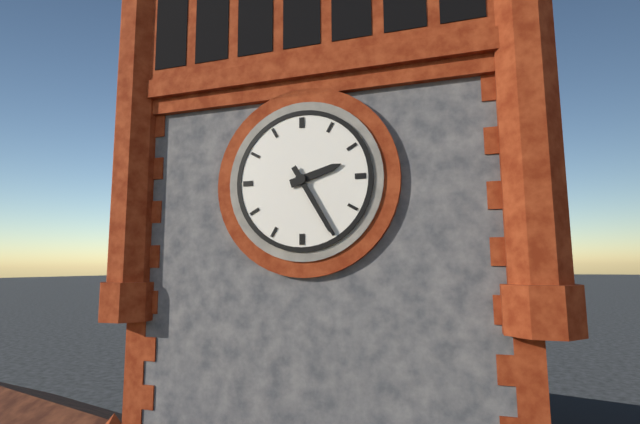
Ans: 2:25
